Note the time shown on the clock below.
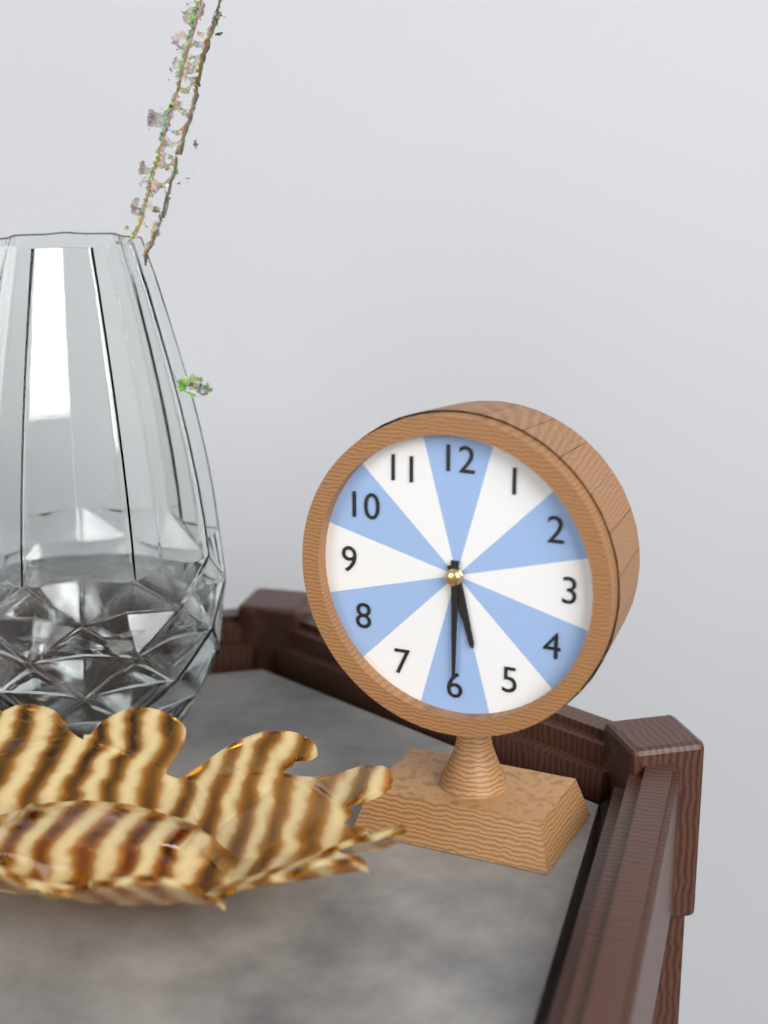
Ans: 5:30
